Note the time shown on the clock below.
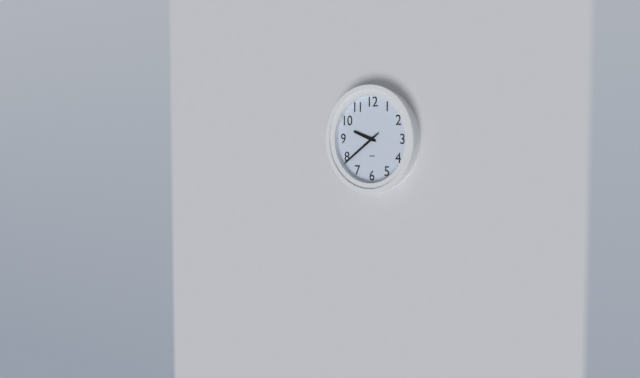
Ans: 9:39
